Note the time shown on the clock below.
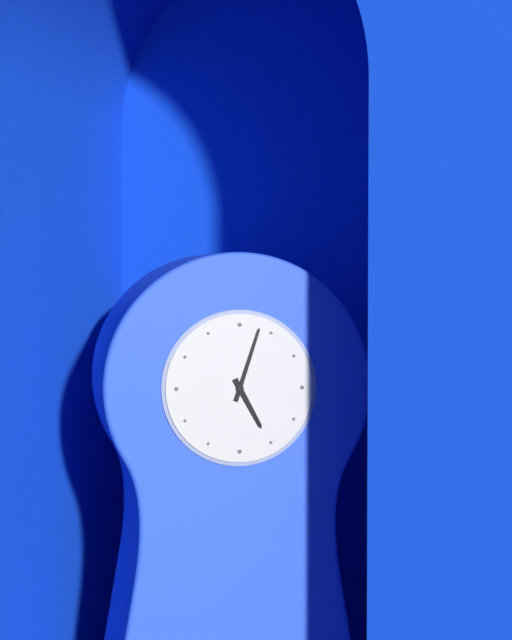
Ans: 5:03
